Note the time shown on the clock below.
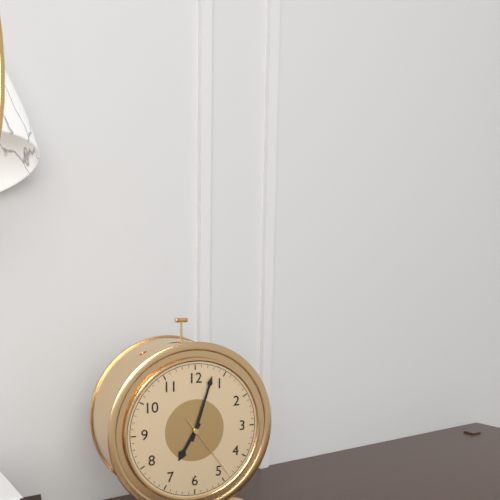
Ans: 7:03:24
